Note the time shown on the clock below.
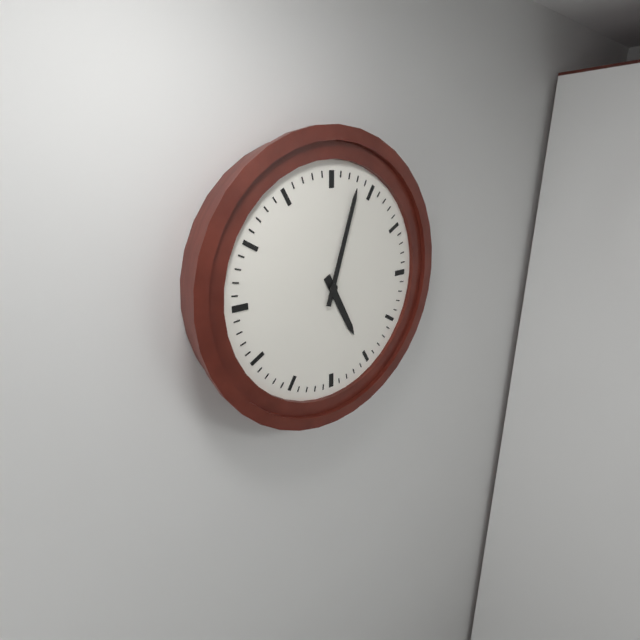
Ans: 5:03
